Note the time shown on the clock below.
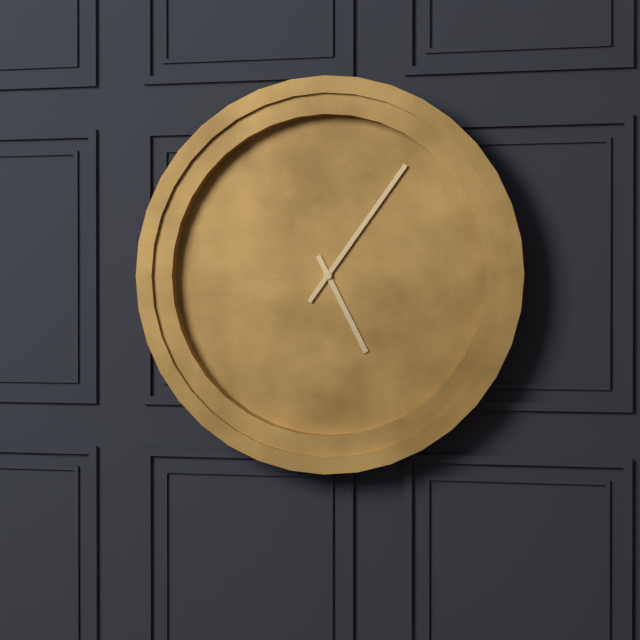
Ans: 5:06
